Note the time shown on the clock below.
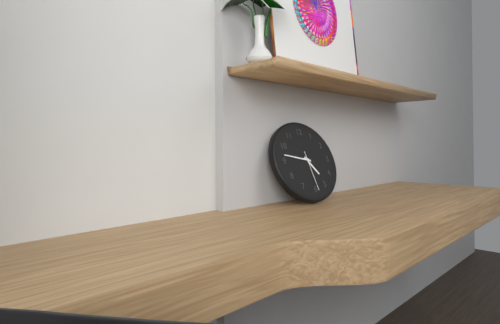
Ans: 4:47
